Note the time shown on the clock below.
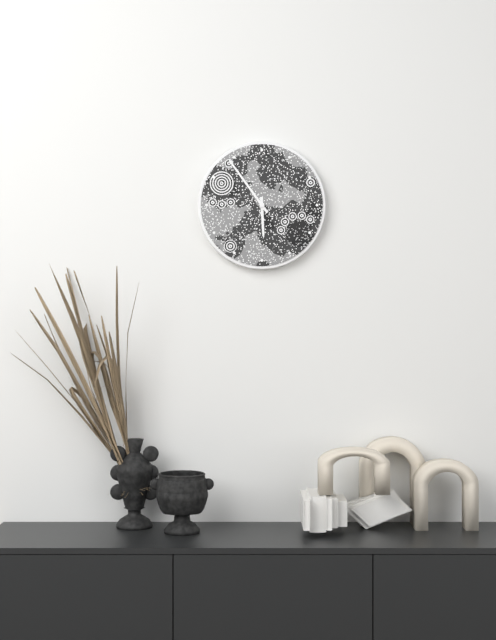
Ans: 5:54
